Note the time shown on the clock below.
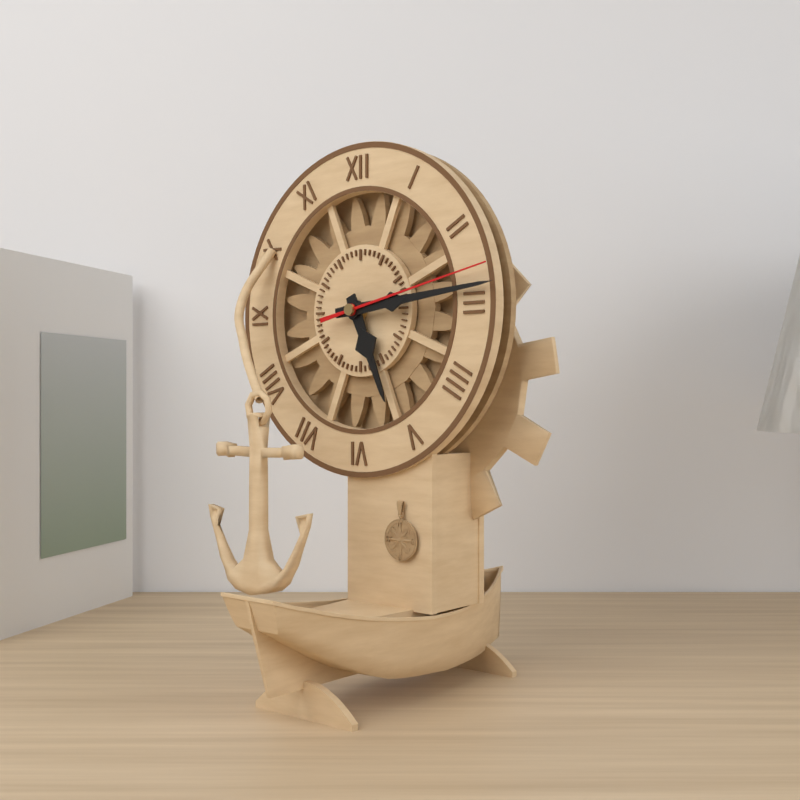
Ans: 5:14:13
